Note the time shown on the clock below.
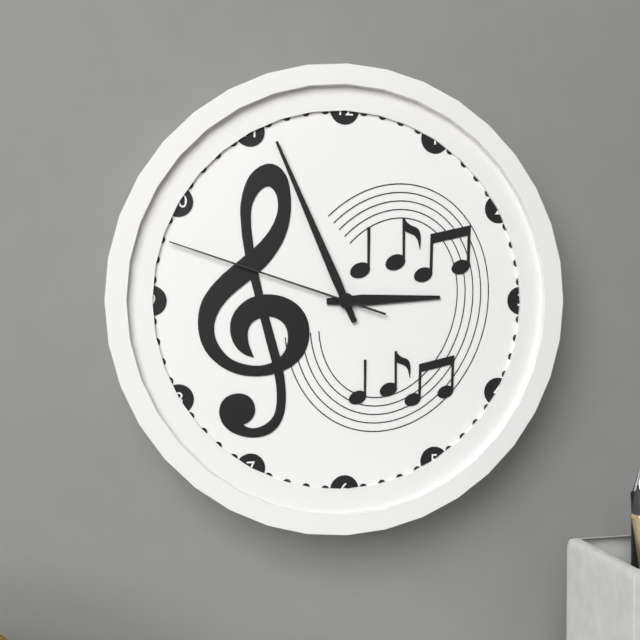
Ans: 2:56:48
